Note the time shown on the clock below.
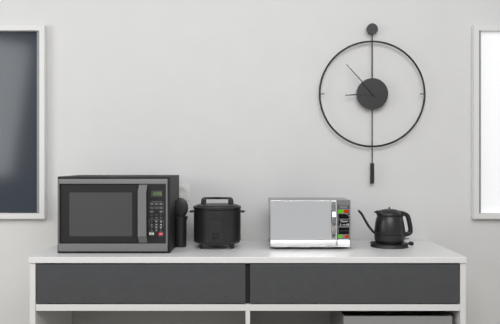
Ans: 8:53
